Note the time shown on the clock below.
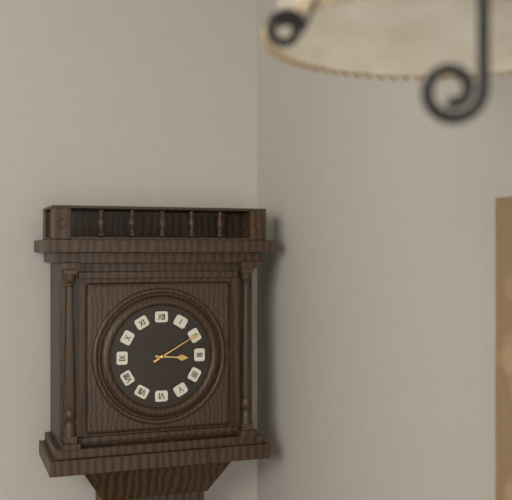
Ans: 3:10
